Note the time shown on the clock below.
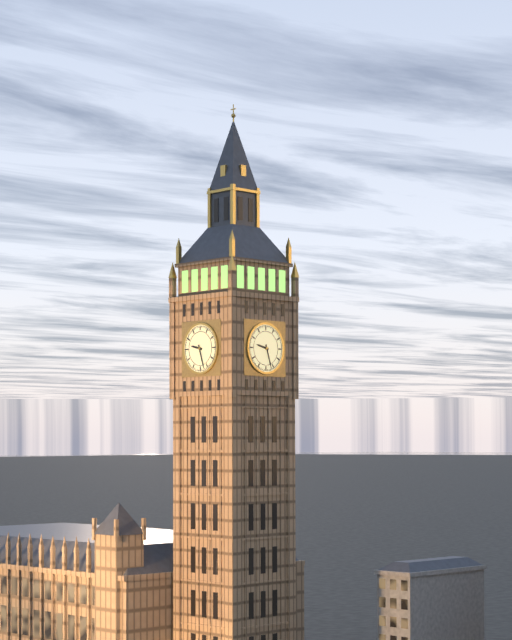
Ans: 9:27
